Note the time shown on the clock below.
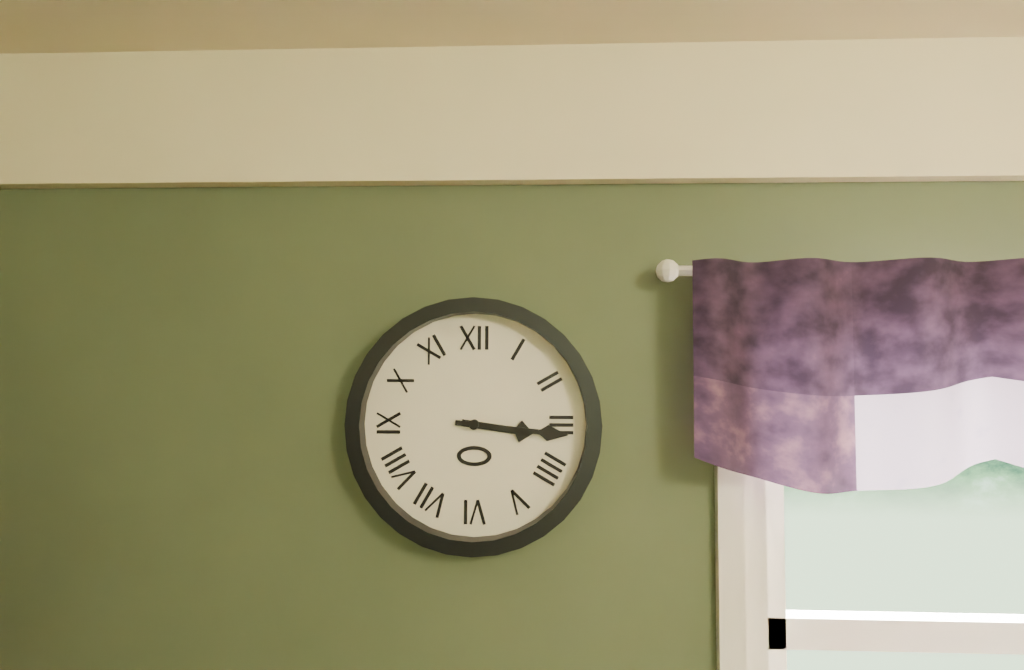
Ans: 3:16
